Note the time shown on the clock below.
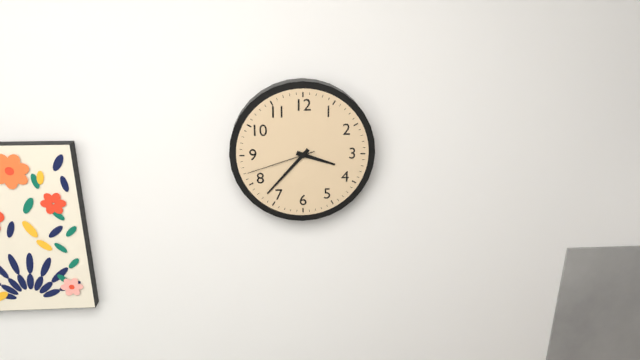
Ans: 3:37:42
